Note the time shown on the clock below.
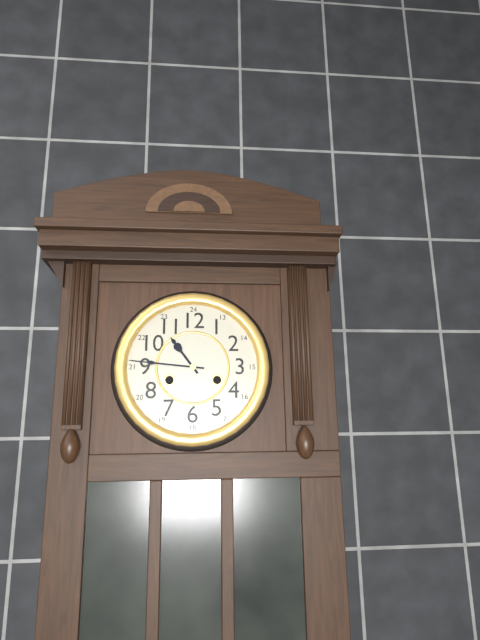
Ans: 10:46
